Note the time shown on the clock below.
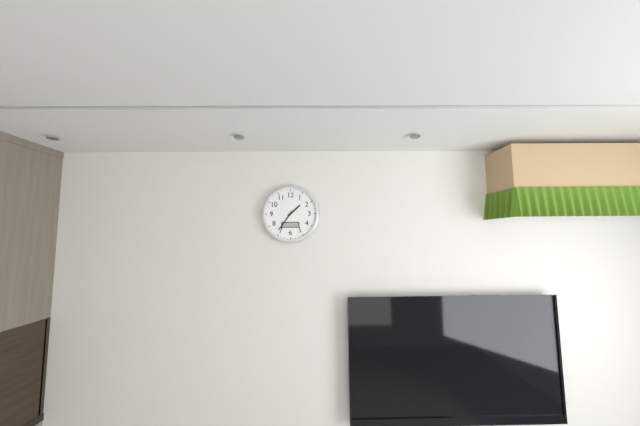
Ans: 1:36
